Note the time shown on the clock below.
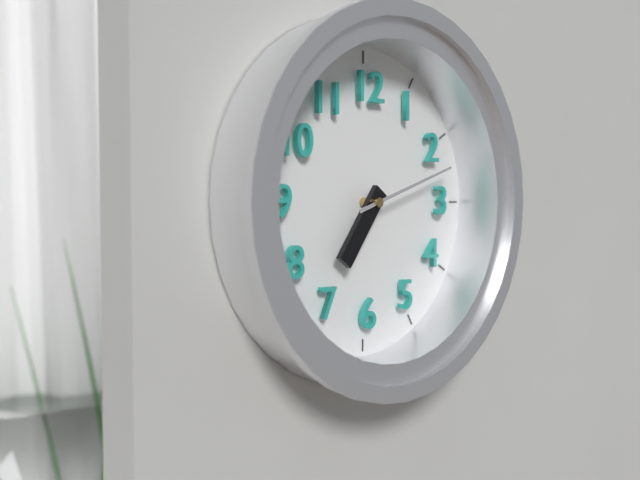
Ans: 7:12
